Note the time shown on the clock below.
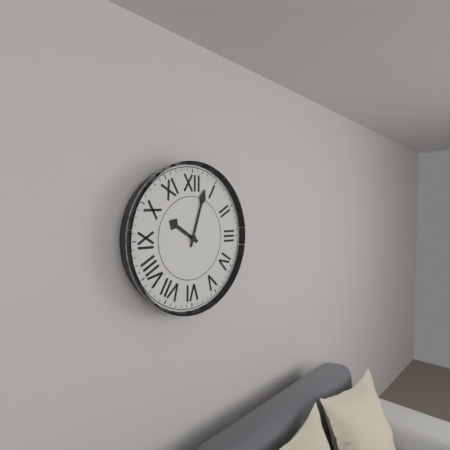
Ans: 10:03
